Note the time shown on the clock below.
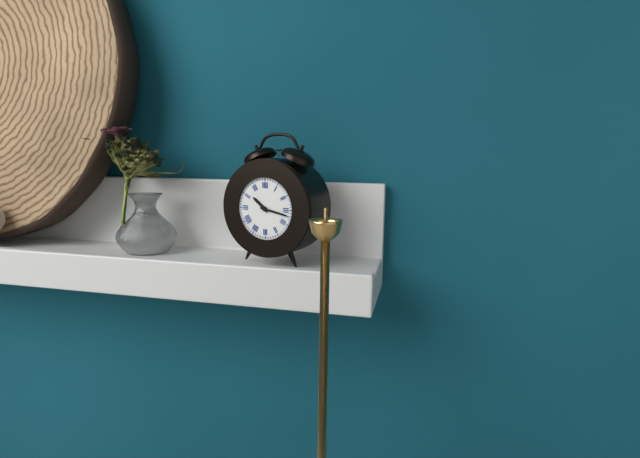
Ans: 10:17
